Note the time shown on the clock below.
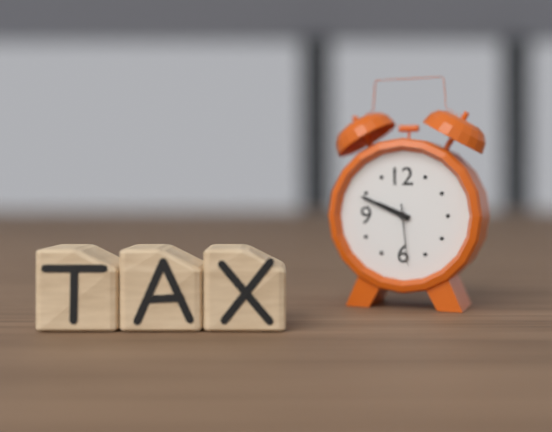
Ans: 9:49:29
